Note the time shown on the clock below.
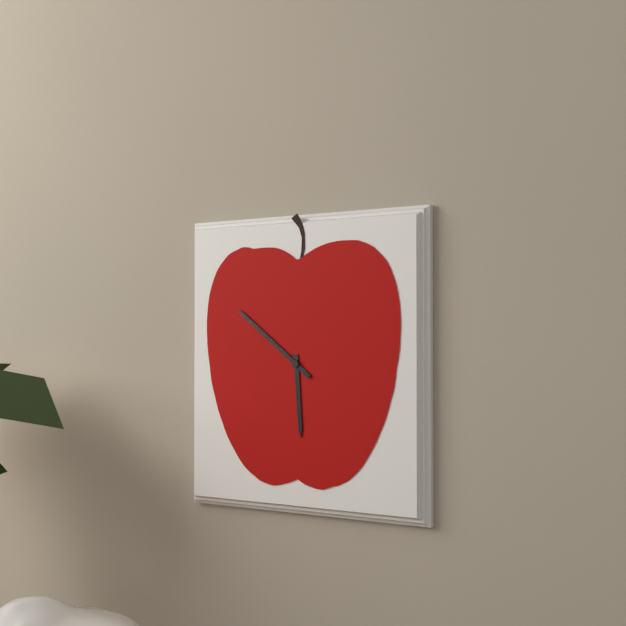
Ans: 5:51
